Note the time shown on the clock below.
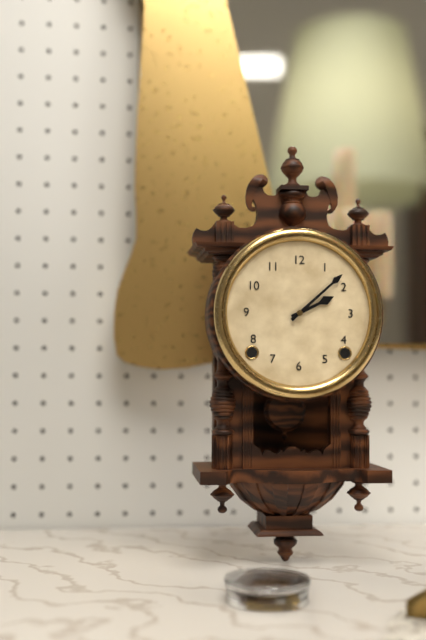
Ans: 2:08
